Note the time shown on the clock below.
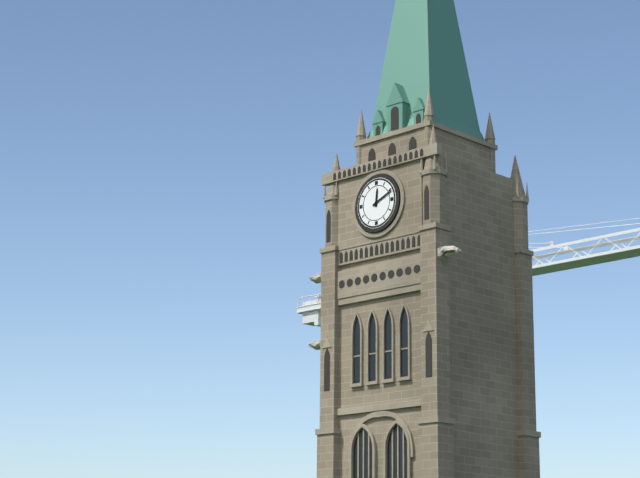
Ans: 12:11
